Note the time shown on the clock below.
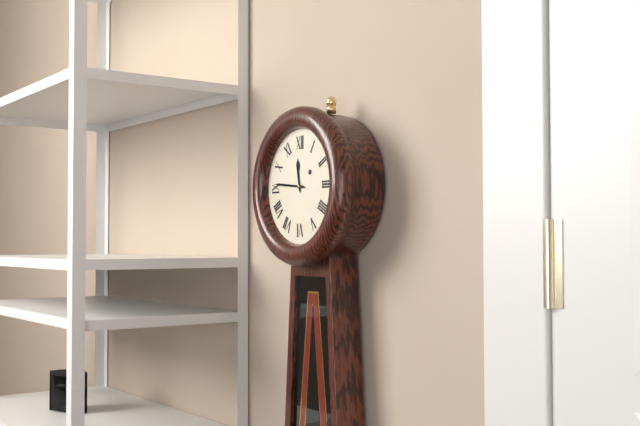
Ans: 11:46
